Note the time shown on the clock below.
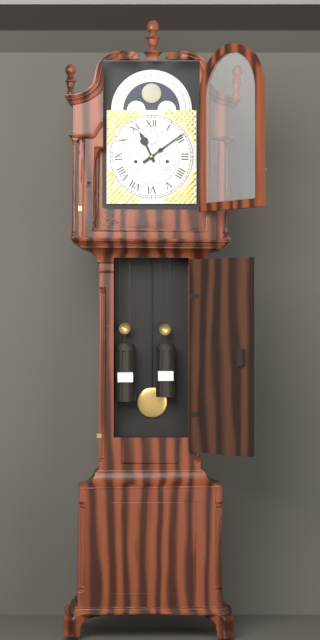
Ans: 11:09
